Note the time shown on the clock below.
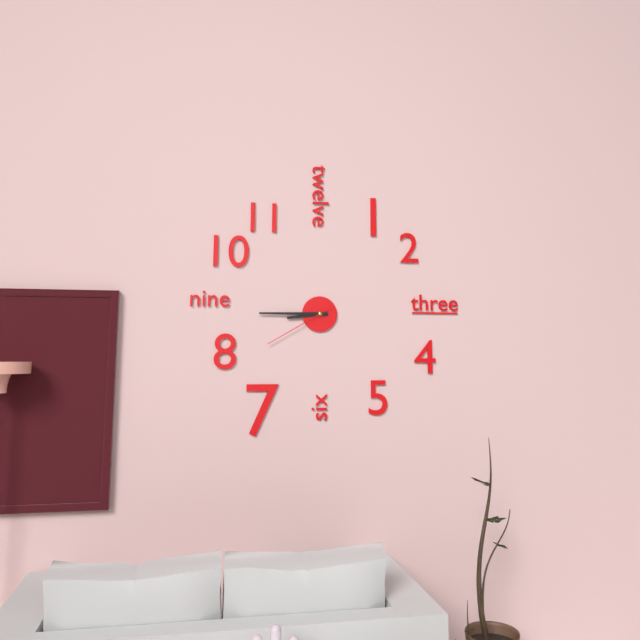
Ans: 8:45:40
